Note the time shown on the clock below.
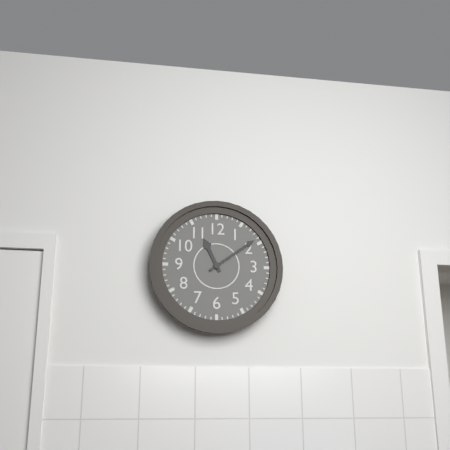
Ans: 11:09
